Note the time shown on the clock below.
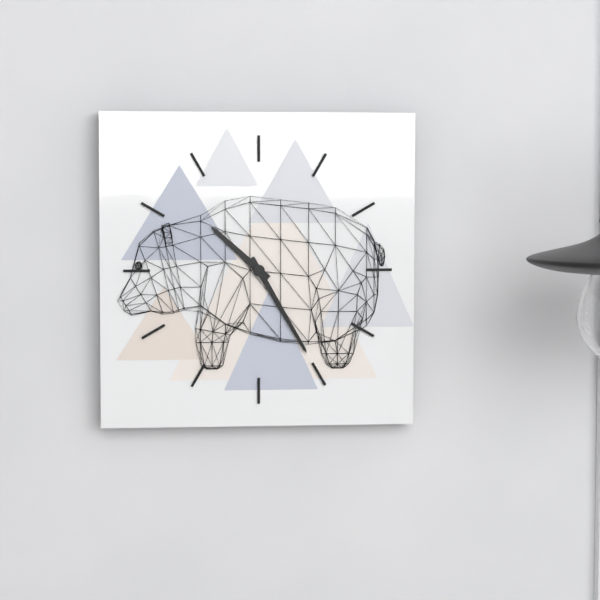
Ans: 10:25
